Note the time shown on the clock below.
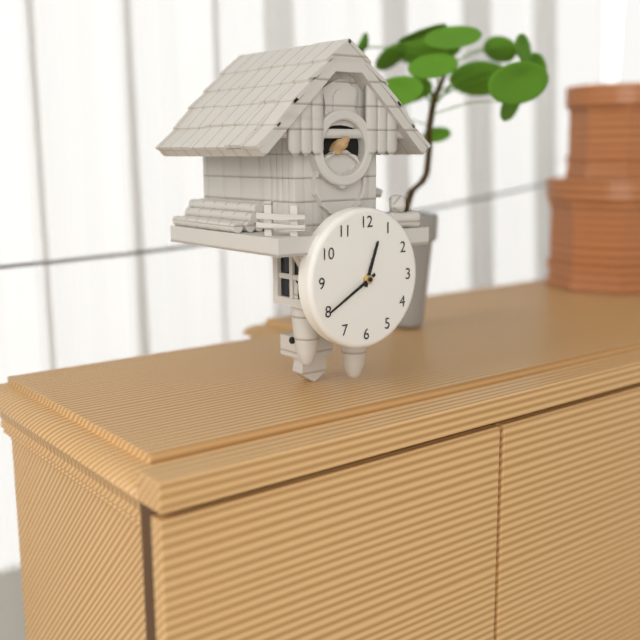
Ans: 12:40
